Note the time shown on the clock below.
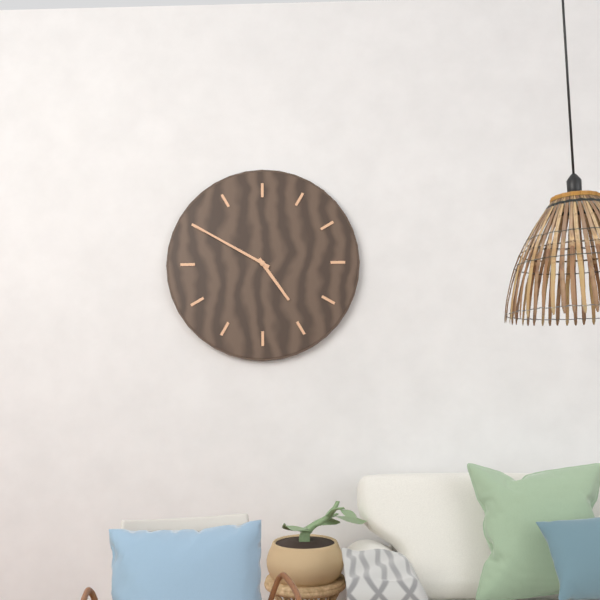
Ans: 4:50
